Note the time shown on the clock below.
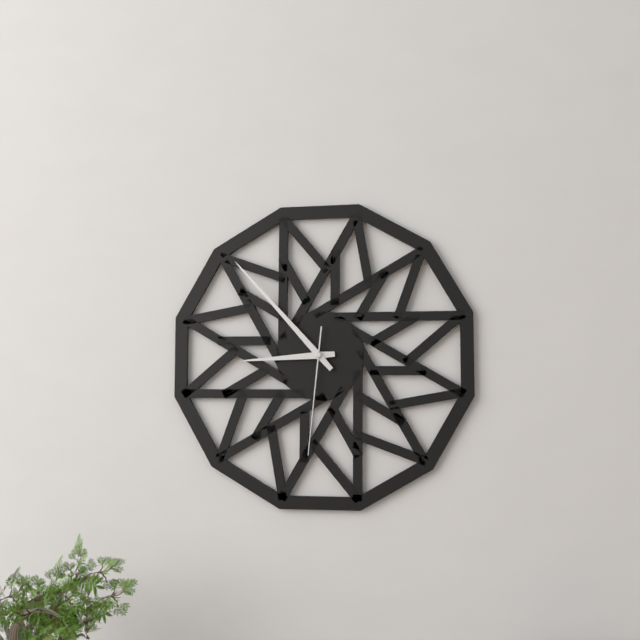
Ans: 8:53:31
